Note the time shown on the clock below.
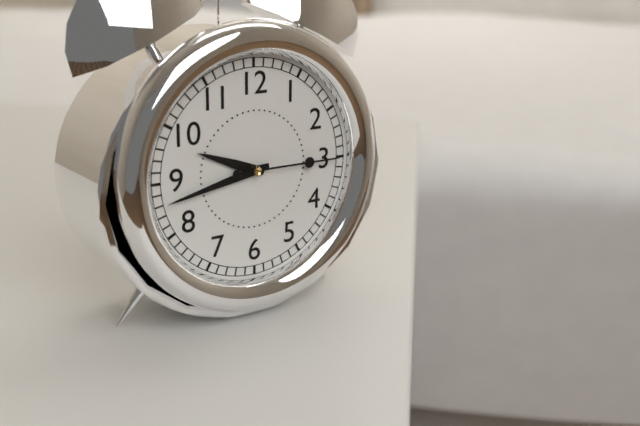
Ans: 9:43:15
